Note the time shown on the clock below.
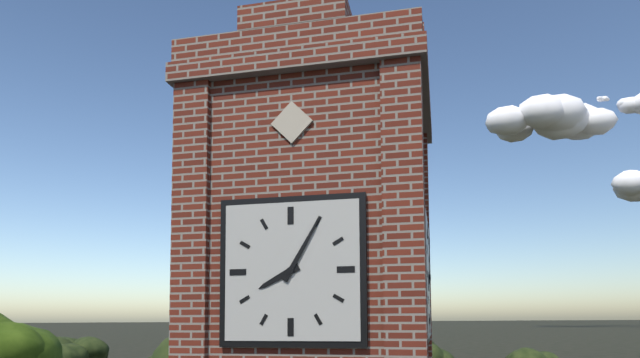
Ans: 8:05
